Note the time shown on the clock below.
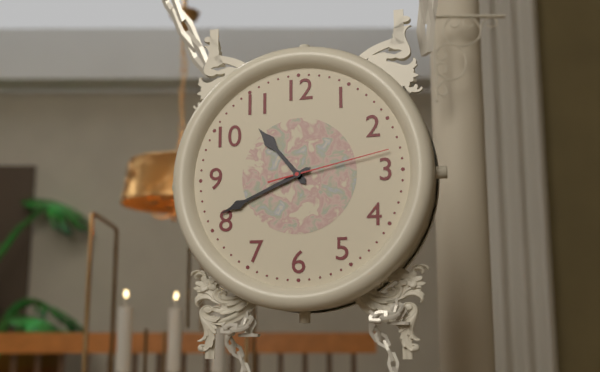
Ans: 10:41:13
